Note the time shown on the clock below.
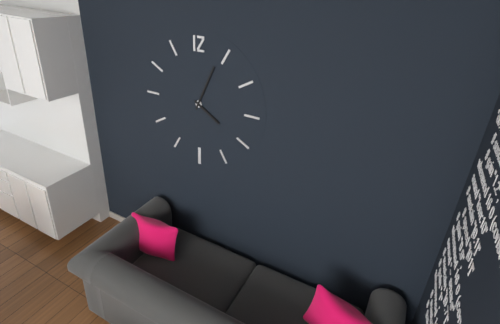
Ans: 4:04
